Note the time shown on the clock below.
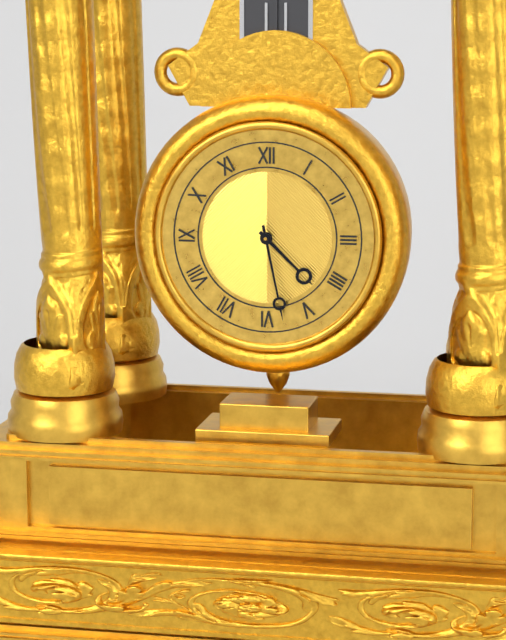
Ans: 4:28
